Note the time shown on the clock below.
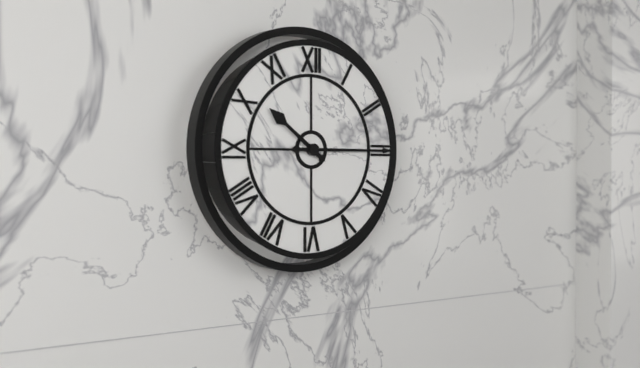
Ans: 10:15
